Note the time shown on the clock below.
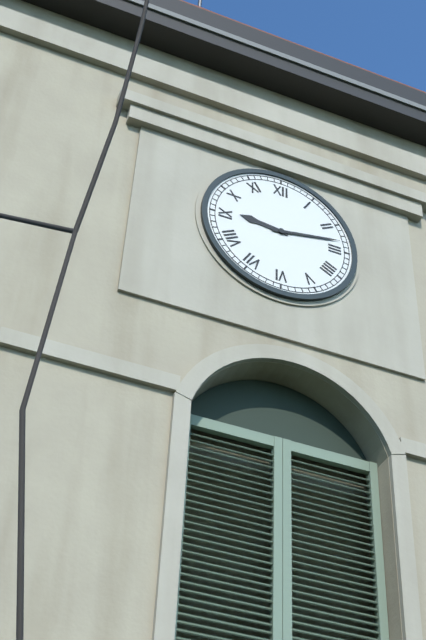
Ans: 9:13
